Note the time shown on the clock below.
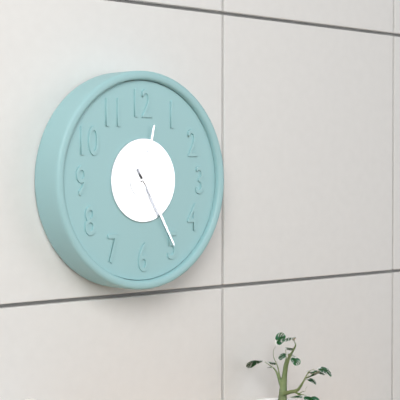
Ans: 12:25
